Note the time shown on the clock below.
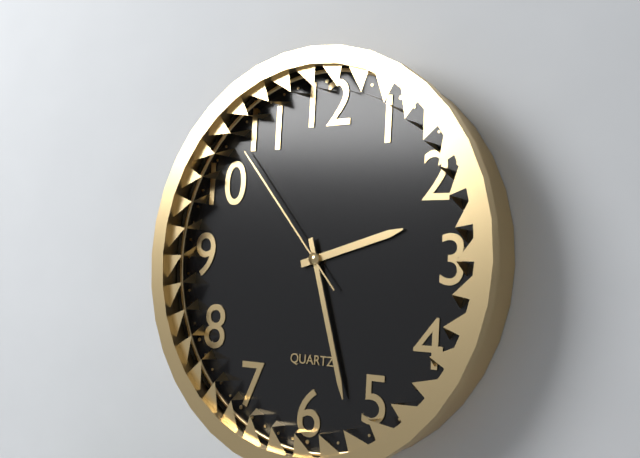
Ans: 2:27:53
